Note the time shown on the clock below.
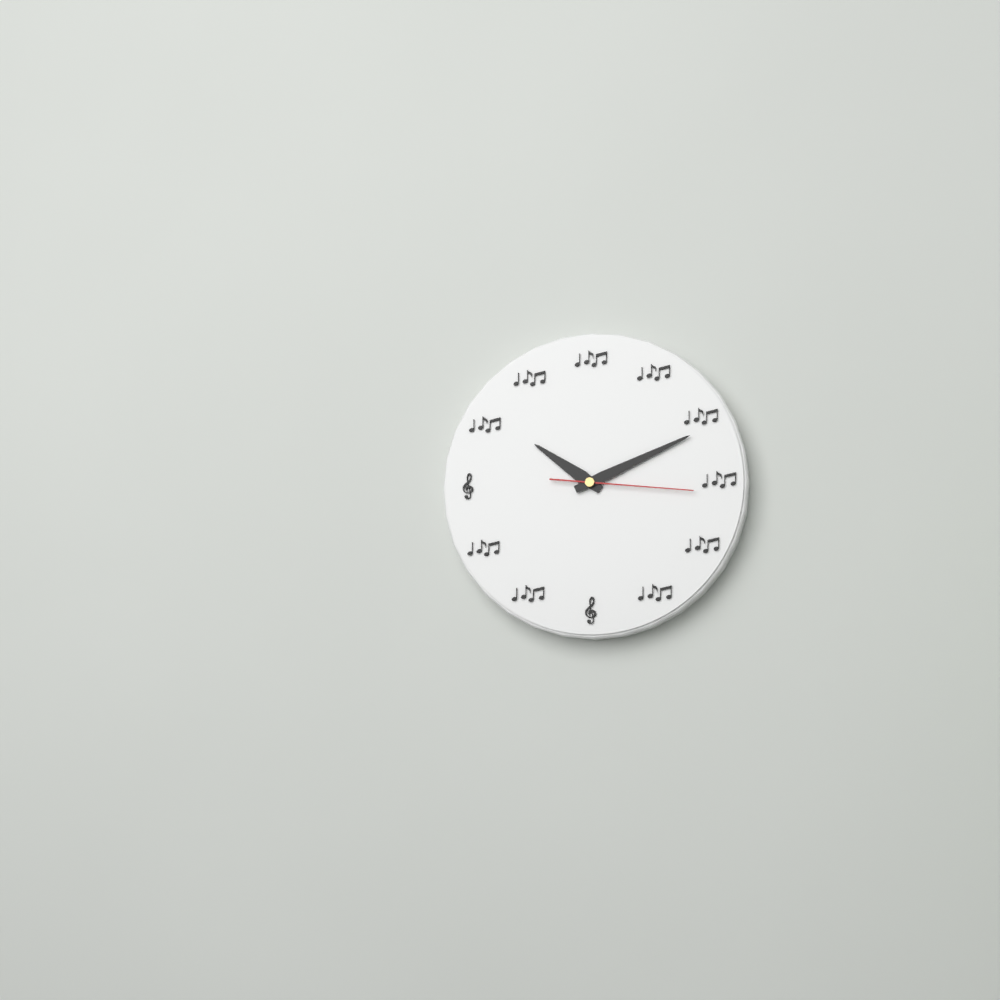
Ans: 10:11:16
